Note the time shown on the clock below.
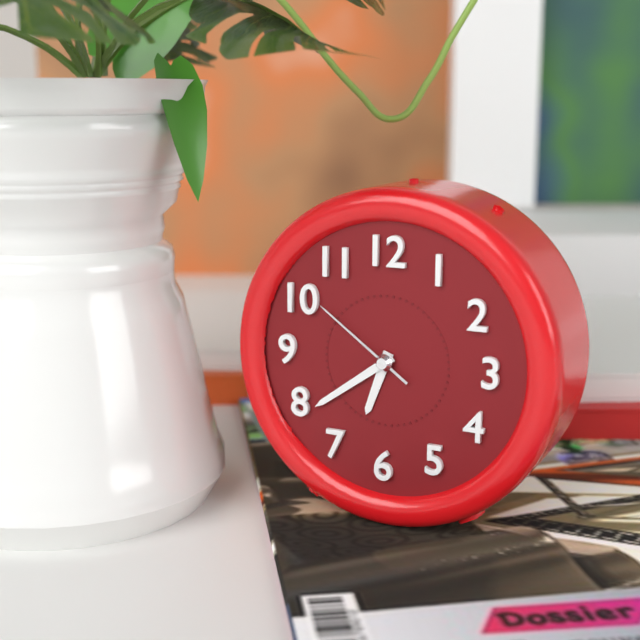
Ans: 6:39:51
